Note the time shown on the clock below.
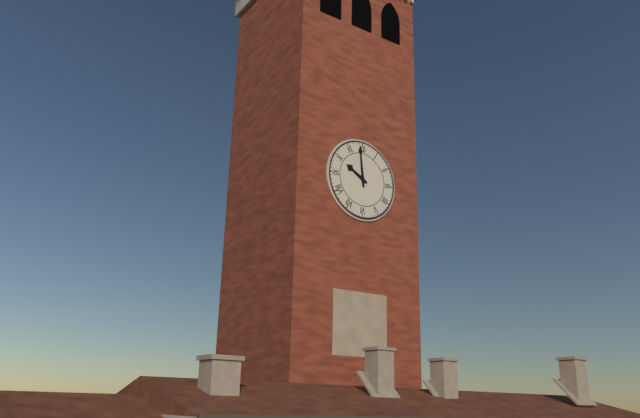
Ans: 9:59
